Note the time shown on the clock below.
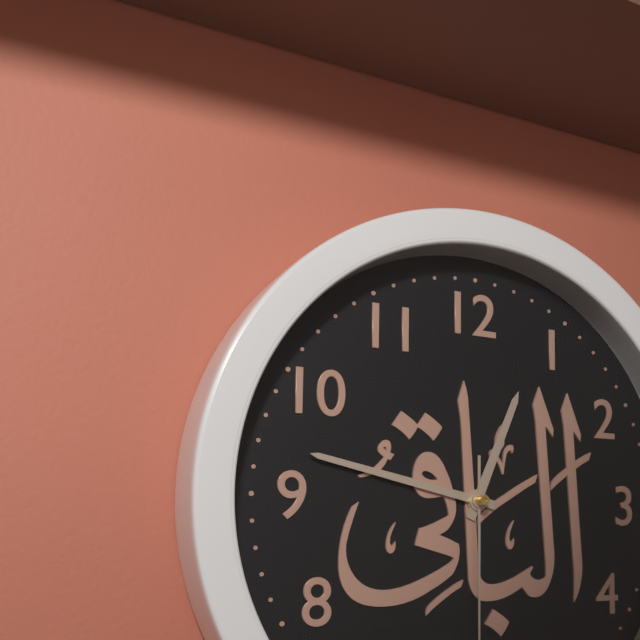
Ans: 12:47
